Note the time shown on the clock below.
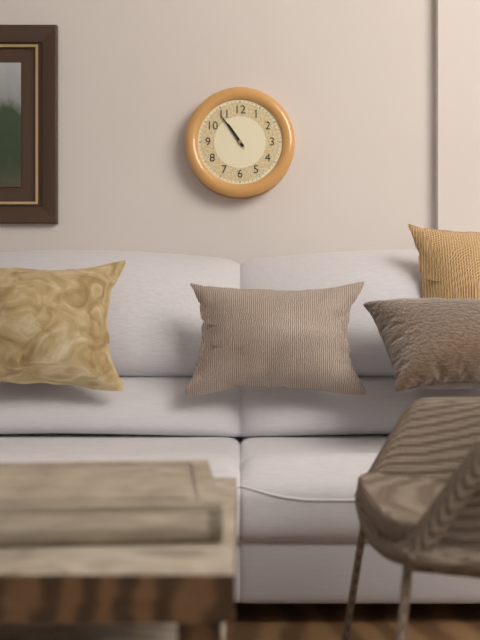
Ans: 10:54
